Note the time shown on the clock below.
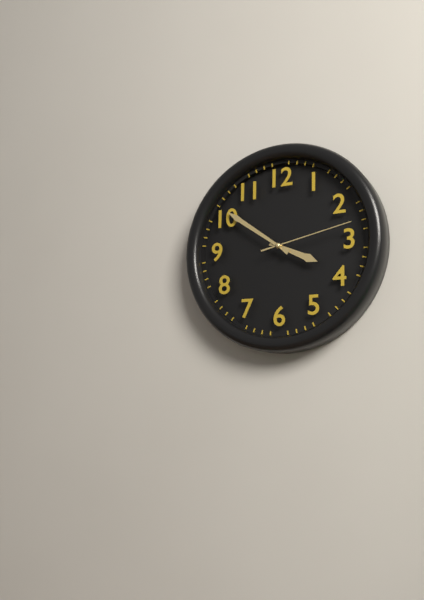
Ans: 3:51:13
